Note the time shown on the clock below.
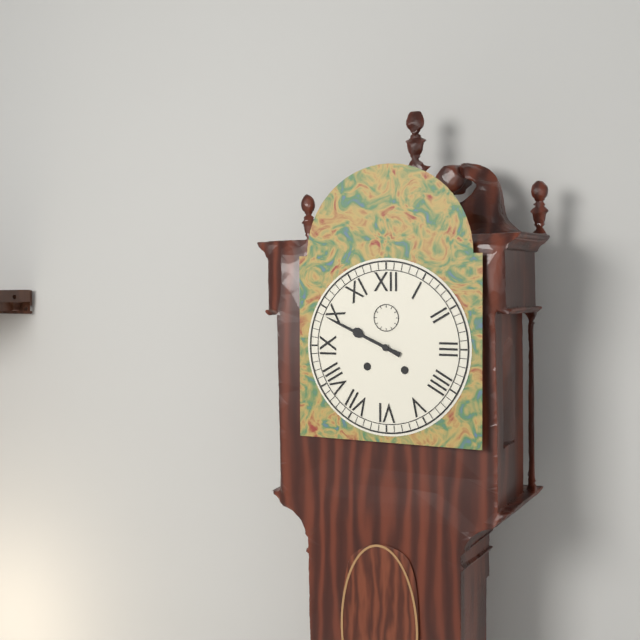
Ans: 9:49
